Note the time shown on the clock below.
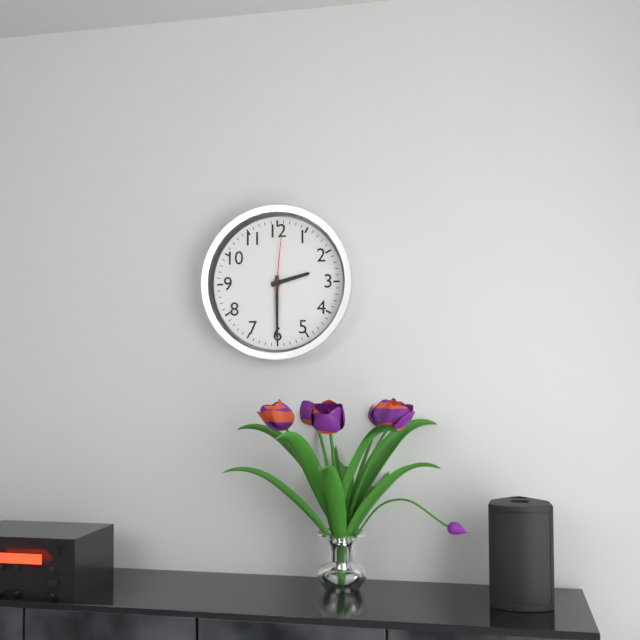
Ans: 2:30:01
